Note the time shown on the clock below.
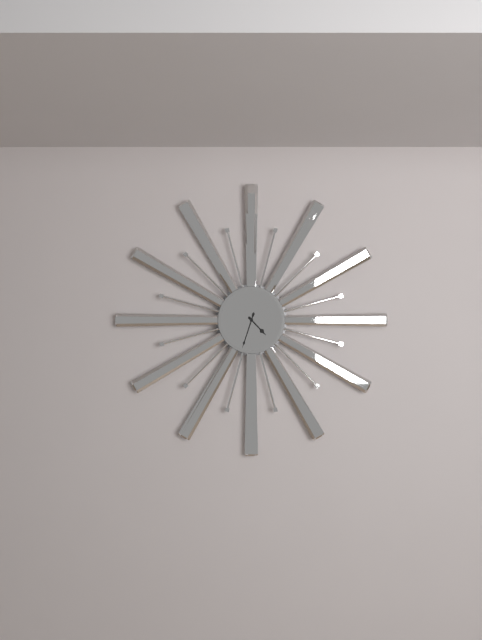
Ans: 4:33
